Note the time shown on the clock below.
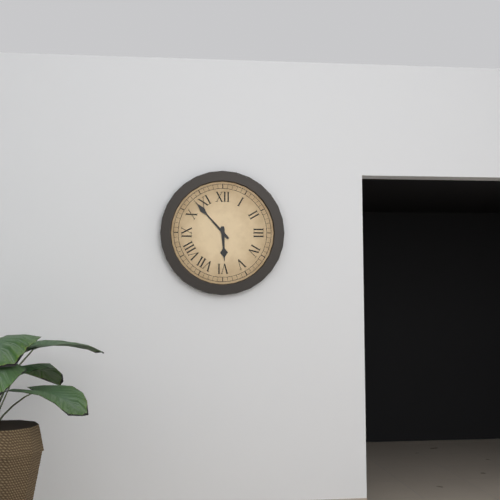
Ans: 5:53
